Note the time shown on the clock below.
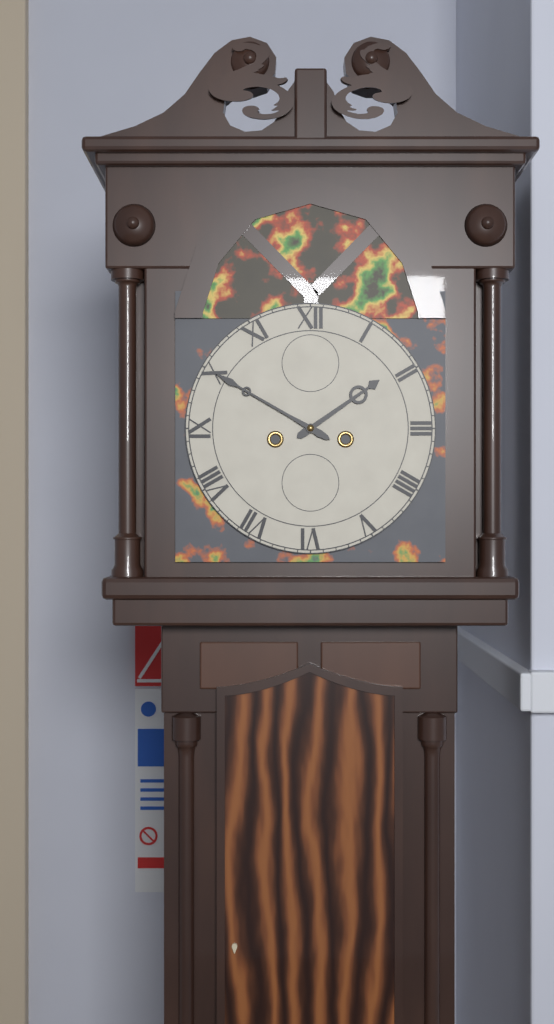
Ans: 1:50
